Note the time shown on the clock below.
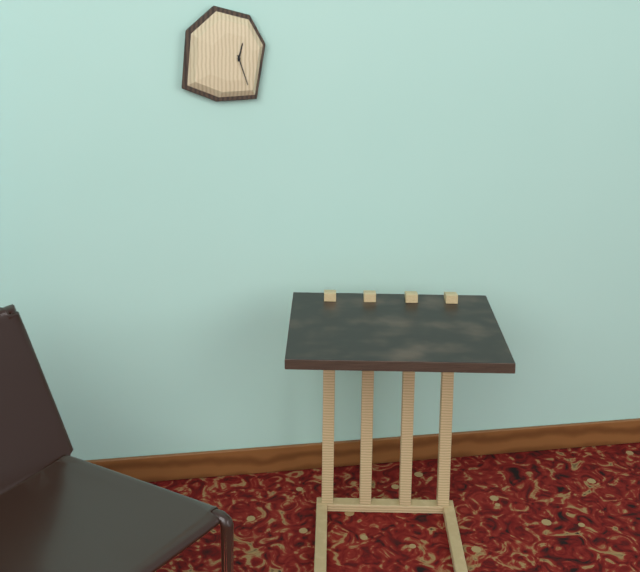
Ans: 12:27
